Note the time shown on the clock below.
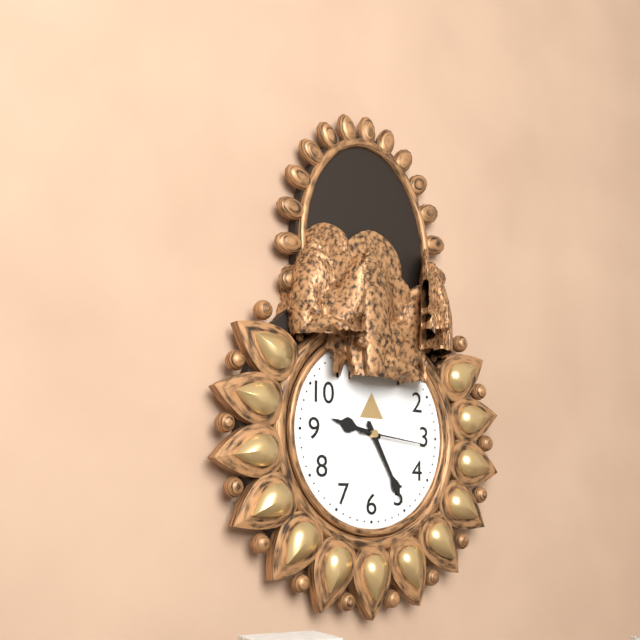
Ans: 9:25:16
